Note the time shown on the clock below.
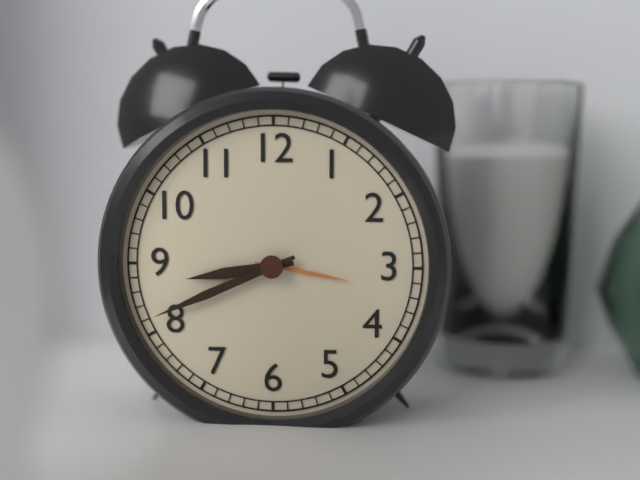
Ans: 8:41
